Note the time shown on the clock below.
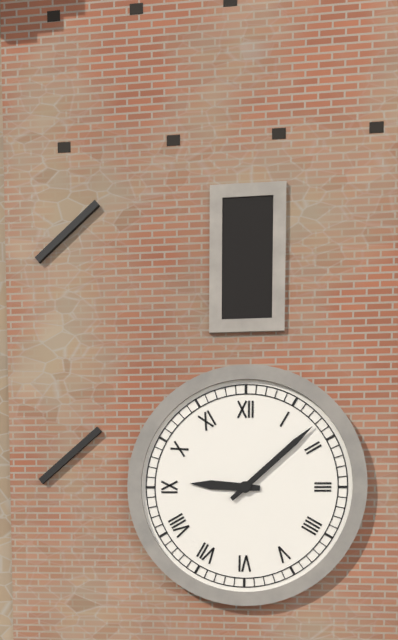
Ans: 9:08
